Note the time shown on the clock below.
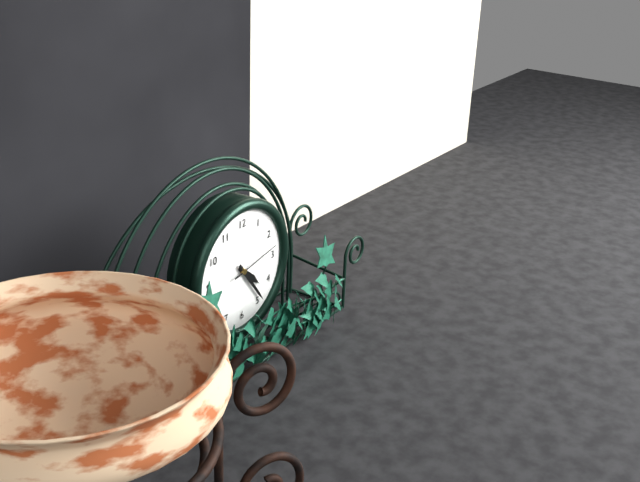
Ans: 4:24:13
